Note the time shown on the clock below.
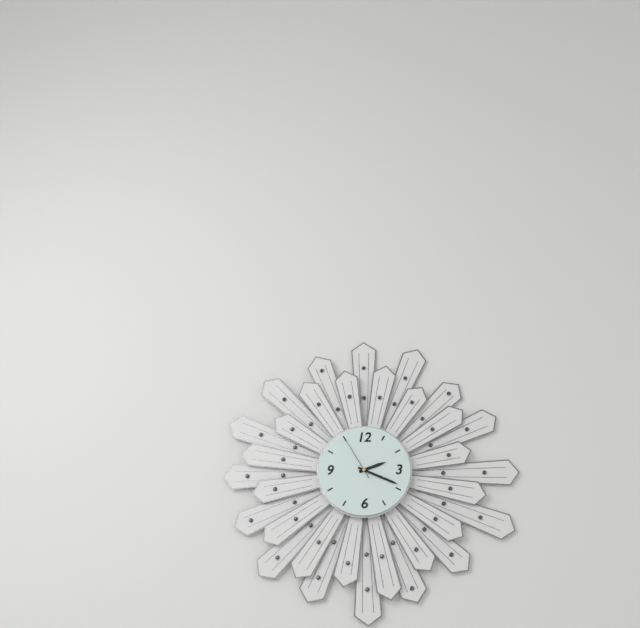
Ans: 2:19
